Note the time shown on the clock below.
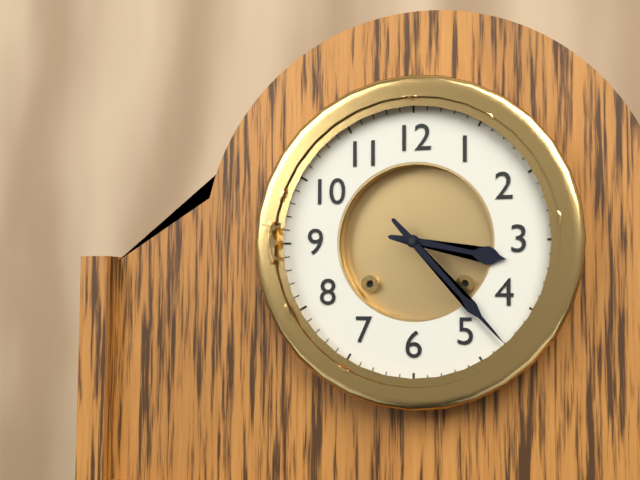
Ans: 3:23
